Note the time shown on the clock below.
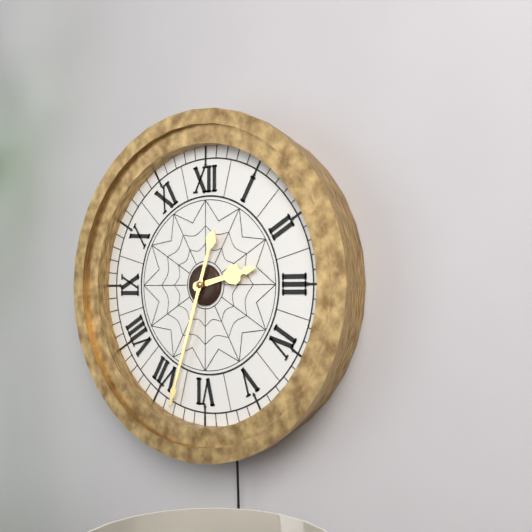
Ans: 2:33
